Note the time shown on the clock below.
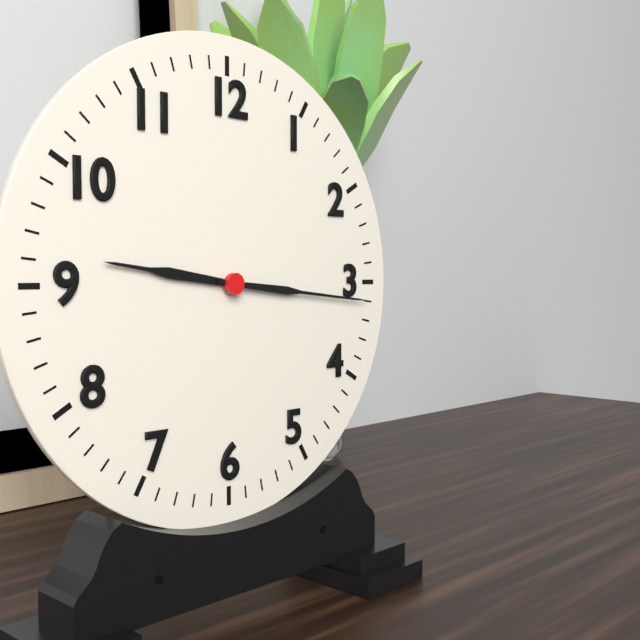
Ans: 9:16
